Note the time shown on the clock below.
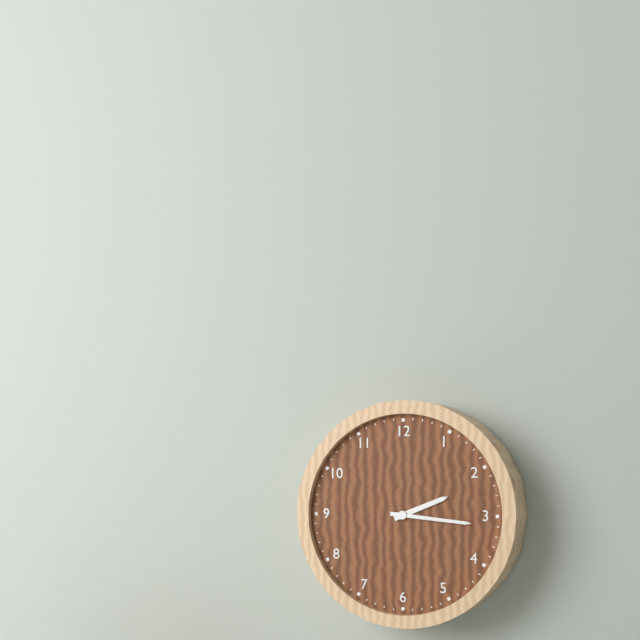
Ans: 2:16
